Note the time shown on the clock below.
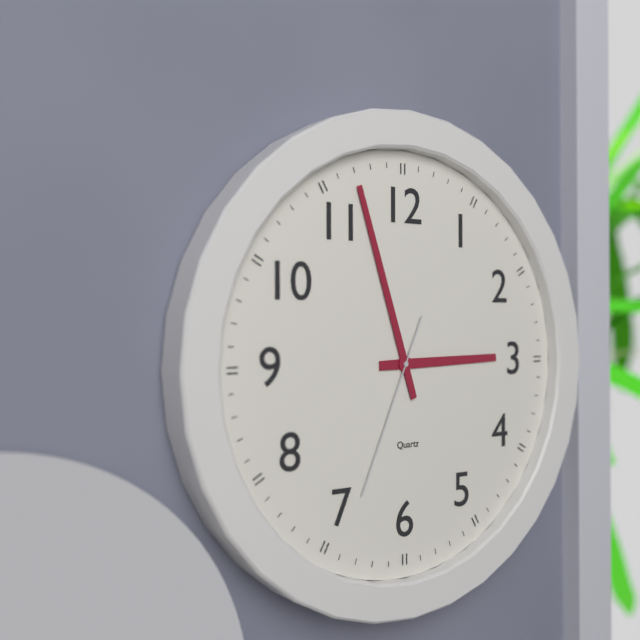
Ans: 2:57:34
